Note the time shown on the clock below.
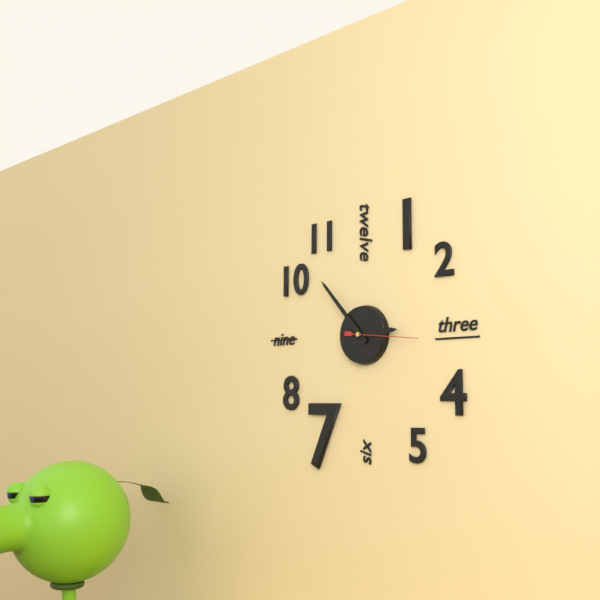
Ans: 2:53:16
